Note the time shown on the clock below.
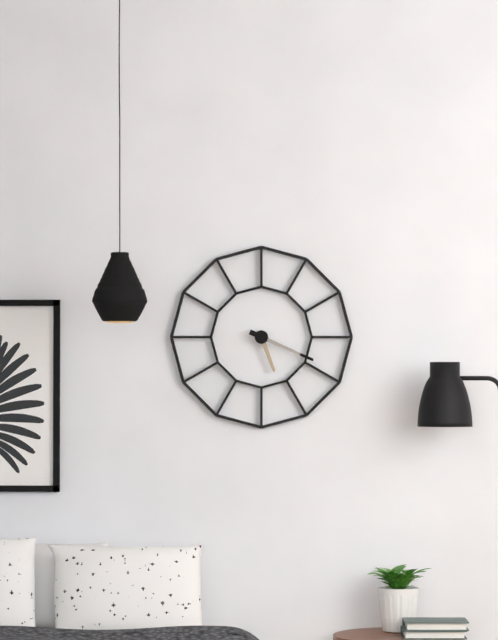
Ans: 5:19
